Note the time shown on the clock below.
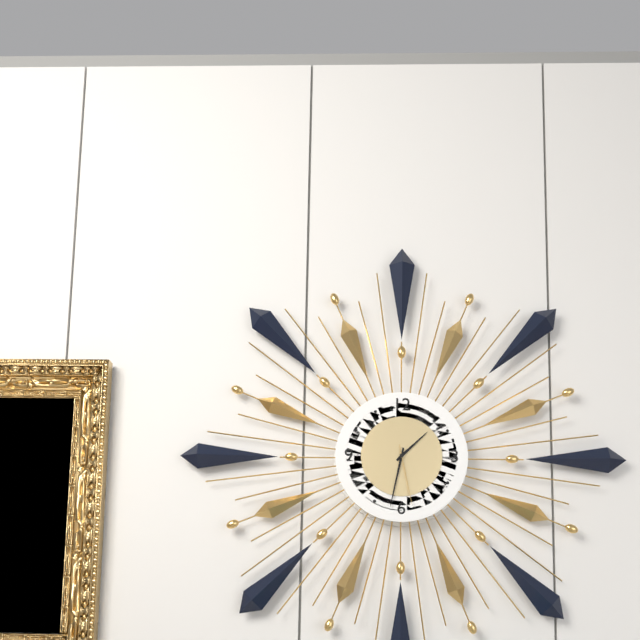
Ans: 1:32:28
